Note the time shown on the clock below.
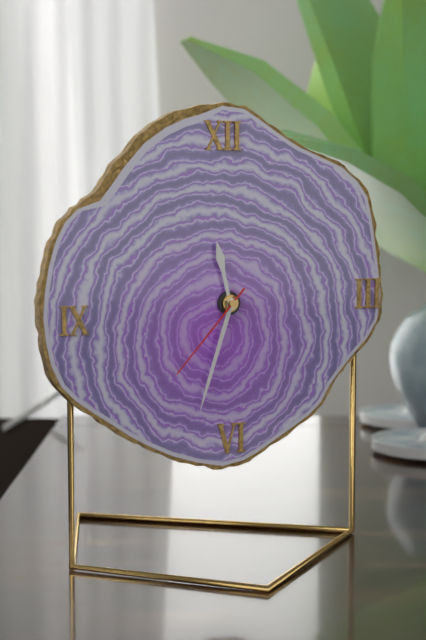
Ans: 11:33:37
